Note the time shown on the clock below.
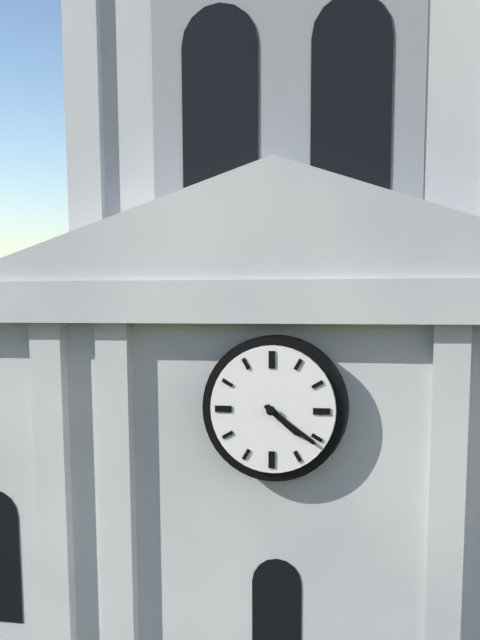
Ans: 4:21
